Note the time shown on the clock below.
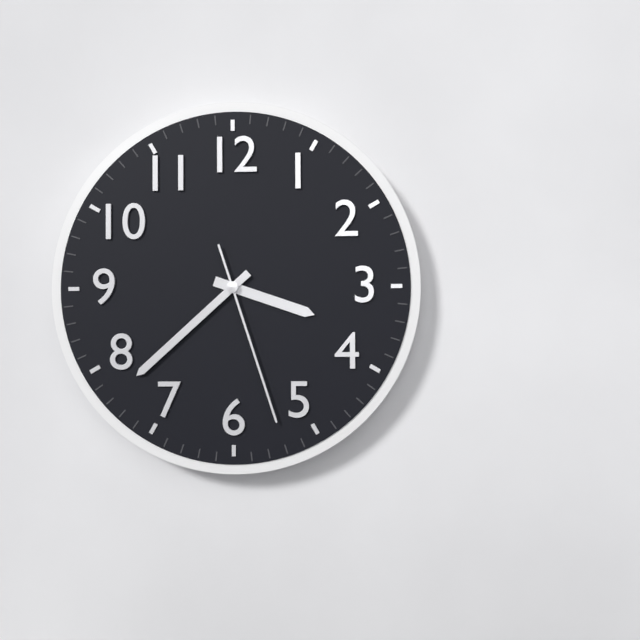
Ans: 3:38:27
